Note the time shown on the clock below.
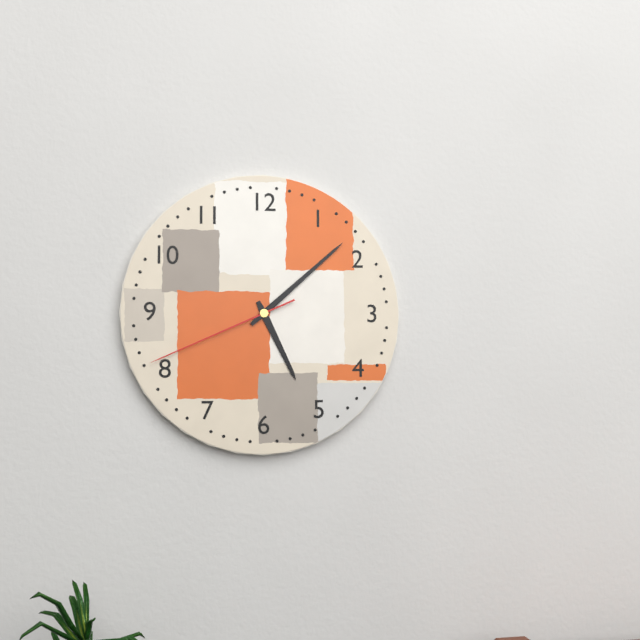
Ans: 5:08:41
